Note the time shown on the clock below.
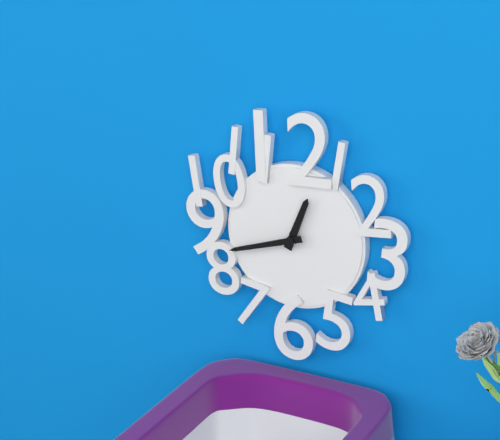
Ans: 12:42
